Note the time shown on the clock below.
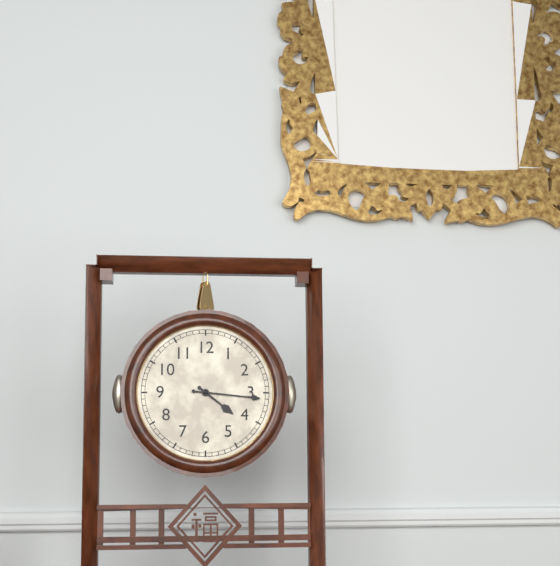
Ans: 4:16
